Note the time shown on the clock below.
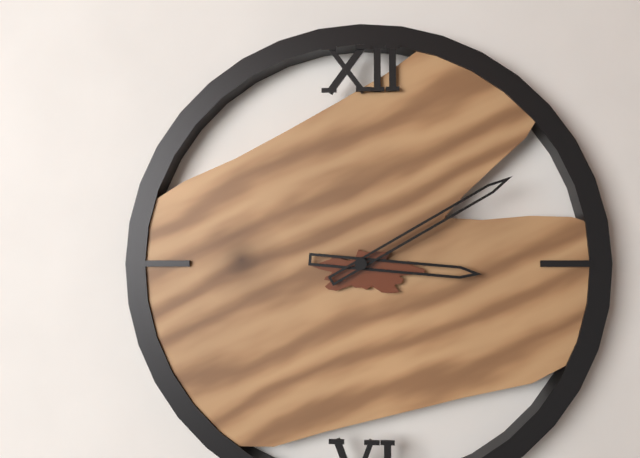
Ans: 3:10
